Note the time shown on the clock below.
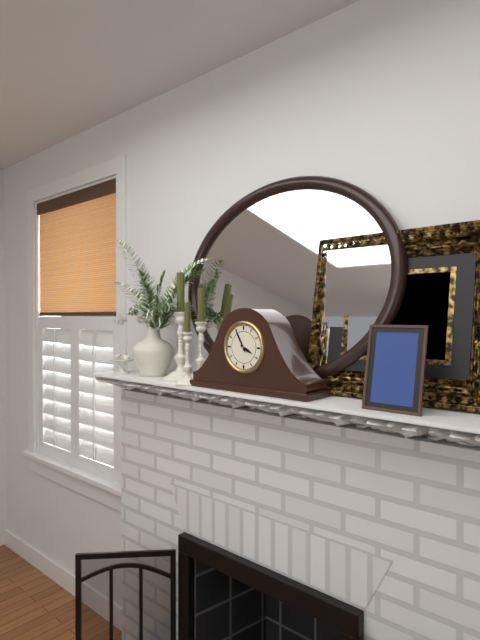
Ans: 3:55
